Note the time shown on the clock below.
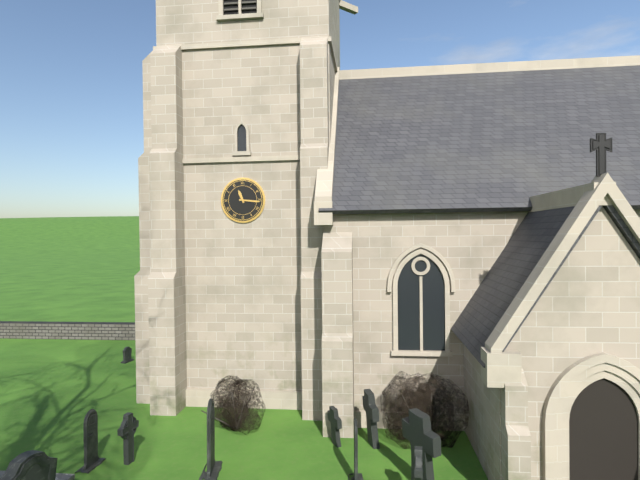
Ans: 11:16
